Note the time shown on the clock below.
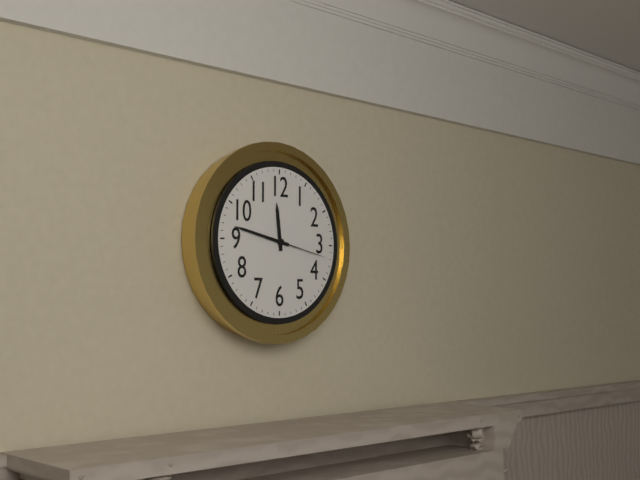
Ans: 11:47:17
